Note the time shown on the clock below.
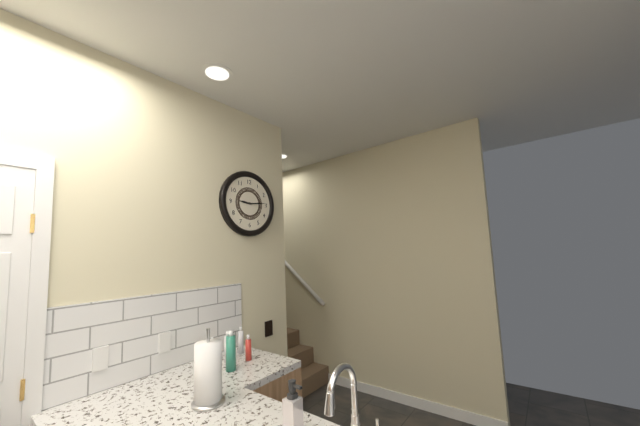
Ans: 9:14
